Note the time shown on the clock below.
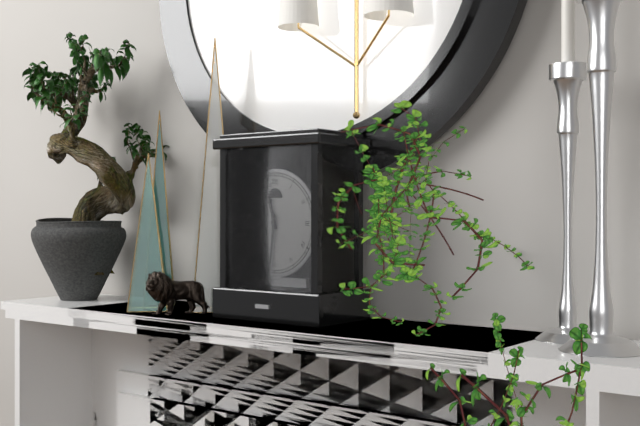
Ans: 11:31
